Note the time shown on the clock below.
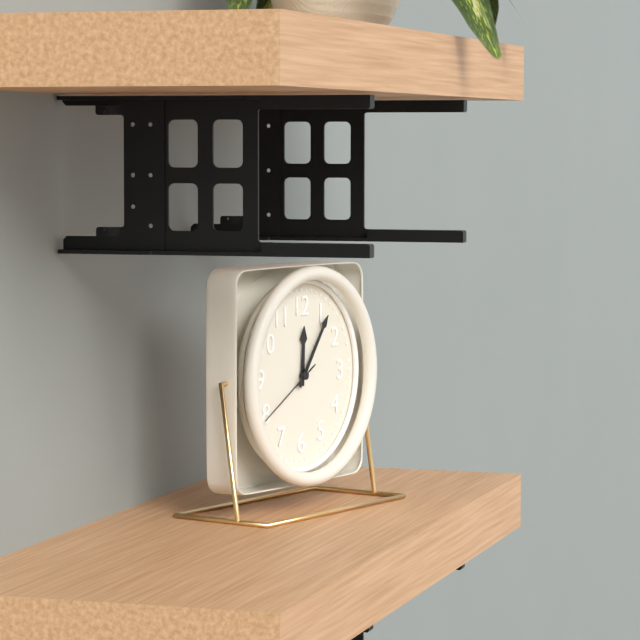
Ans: 12:06:40
